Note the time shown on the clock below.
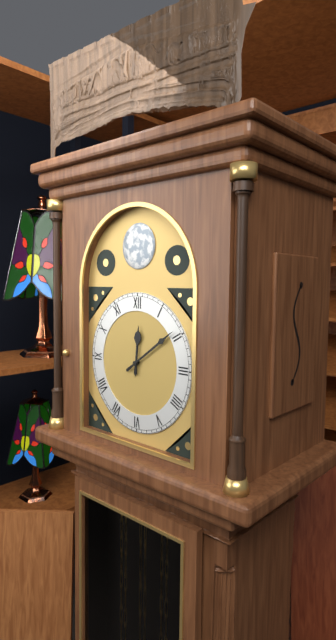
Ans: 12:09
